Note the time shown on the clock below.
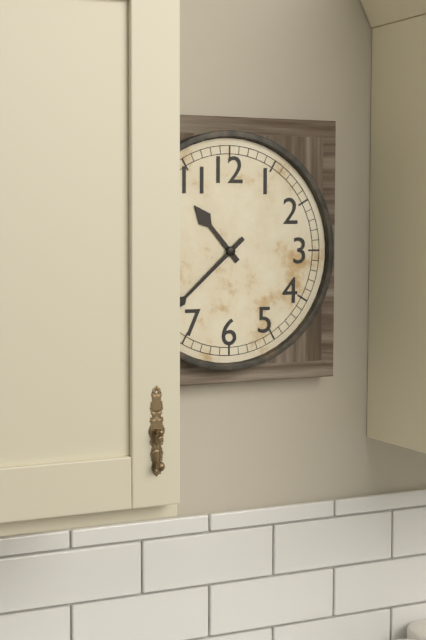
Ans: 10:38
